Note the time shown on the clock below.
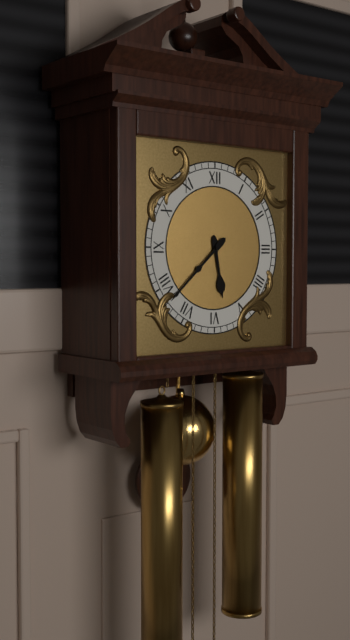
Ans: 5:38
